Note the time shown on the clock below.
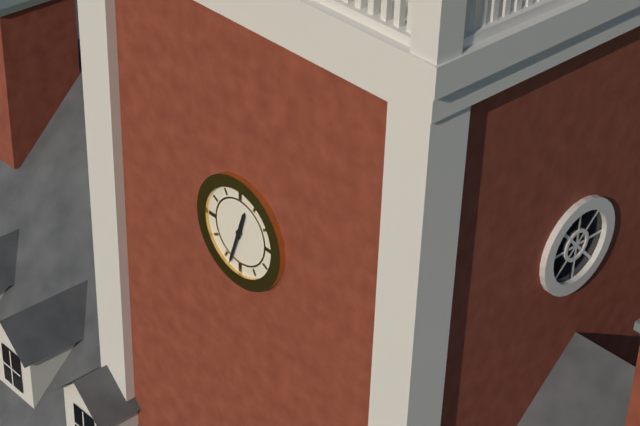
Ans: 12:33
